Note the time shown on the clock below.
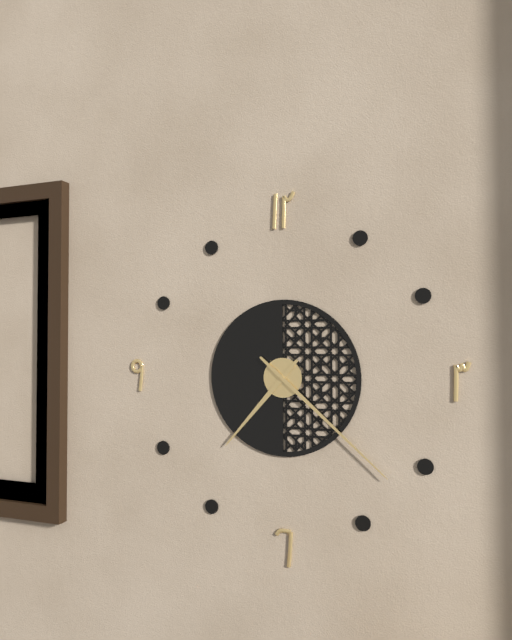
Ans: 7:22
